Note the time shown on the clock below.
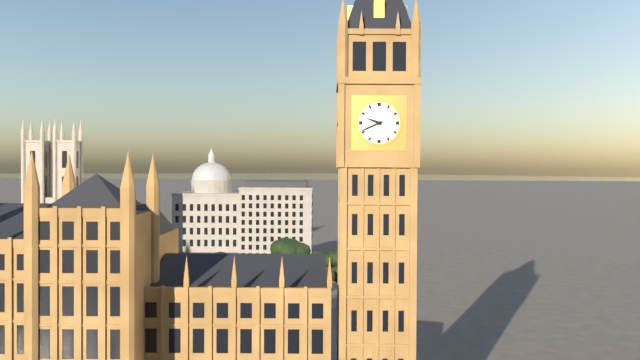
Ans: 9:41
